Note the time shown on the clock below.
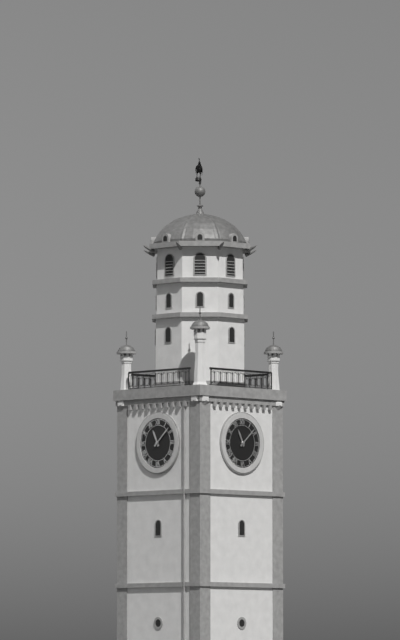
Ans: 11:08
